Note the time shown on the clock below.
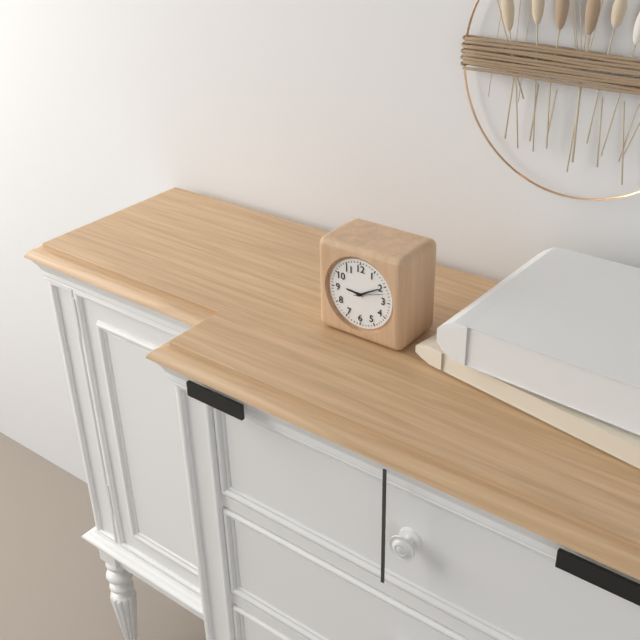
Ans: 9:10
